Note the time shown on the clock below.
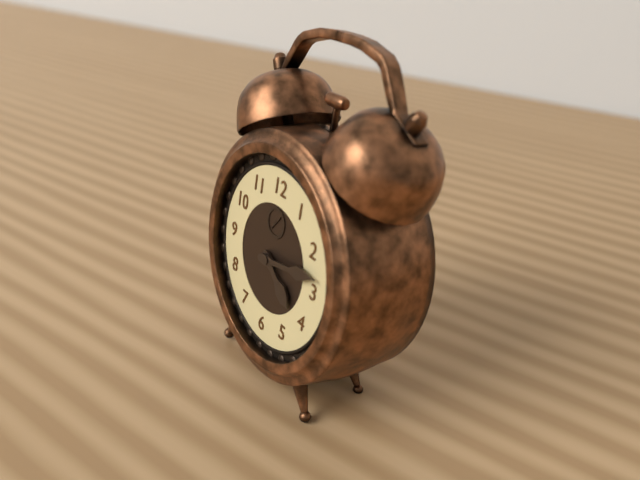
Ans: 4:13
